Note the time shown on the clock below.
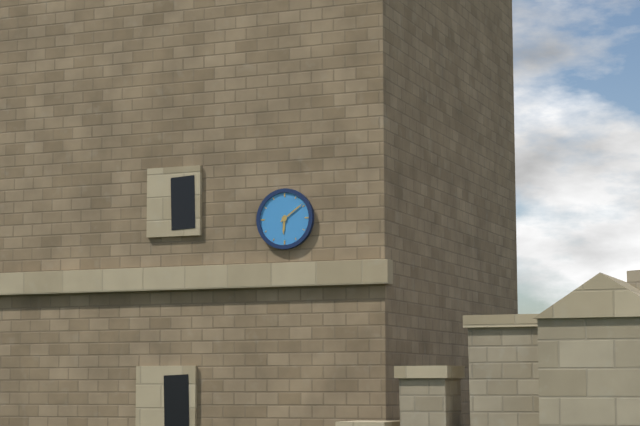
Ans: 6:09
